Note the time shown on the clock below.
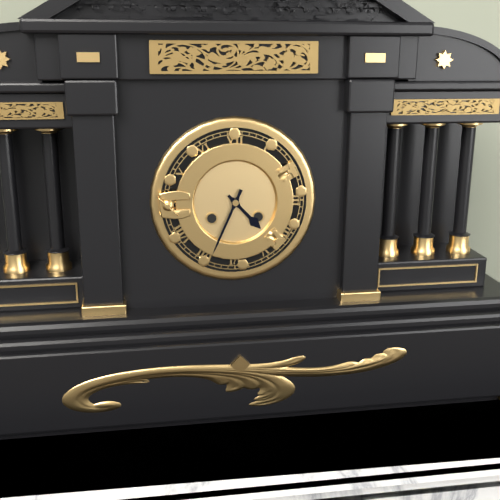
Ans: 4:34
